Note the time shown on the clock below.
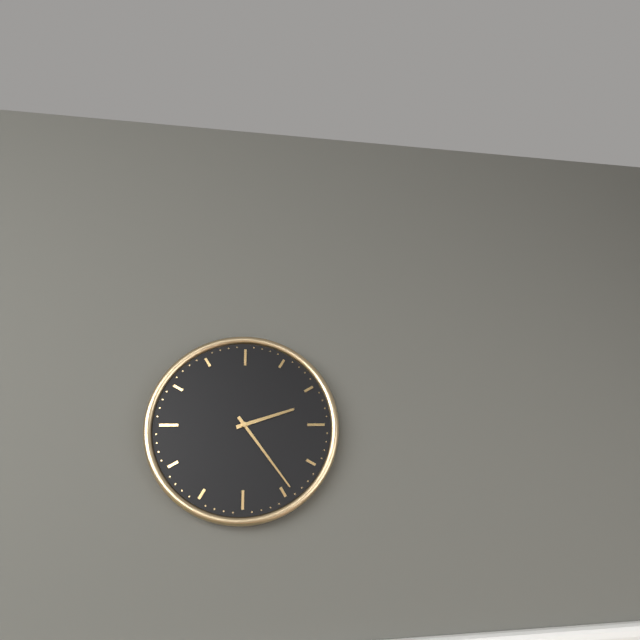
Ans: 2:24
